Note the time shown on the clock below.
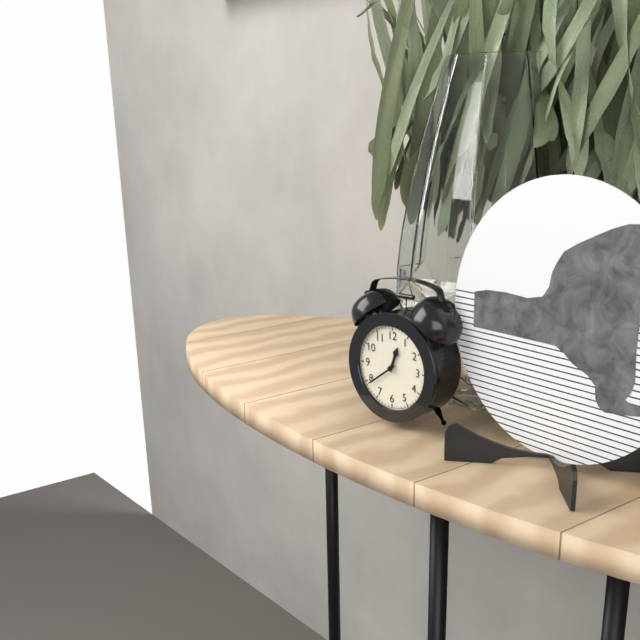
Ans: 12:39
